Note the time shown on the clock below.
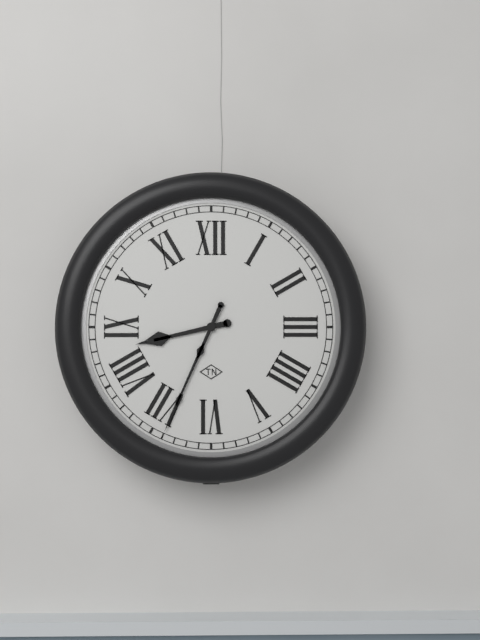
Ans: 8:34
